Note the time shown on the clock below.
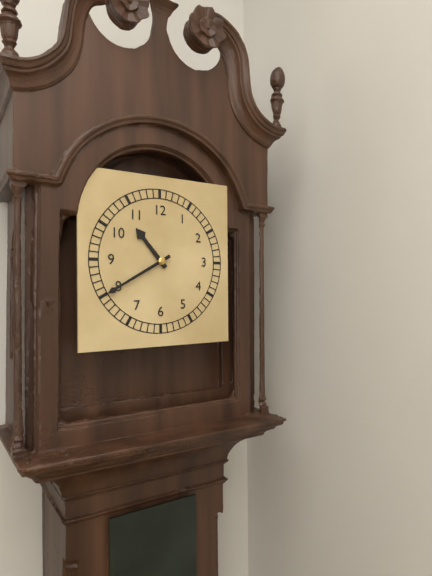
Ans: 10:40
